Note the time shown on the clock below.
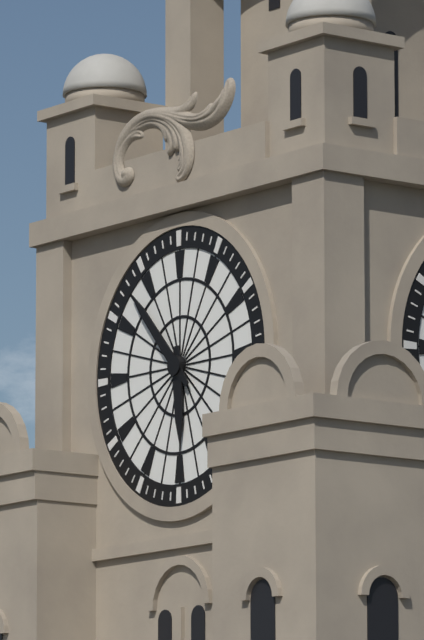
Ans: 5:53
